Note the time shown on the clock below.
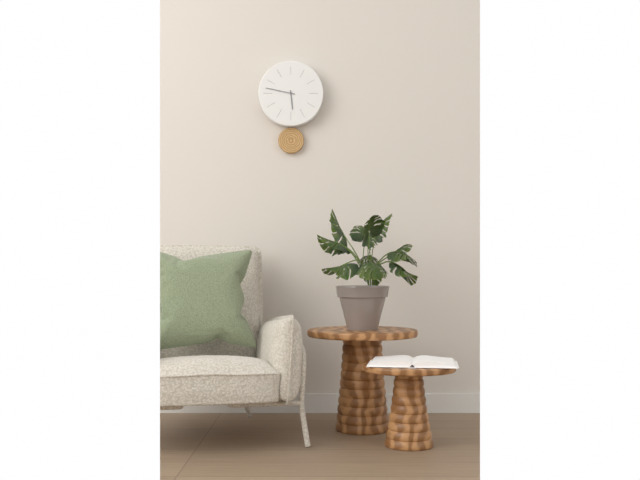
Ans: 5:47
